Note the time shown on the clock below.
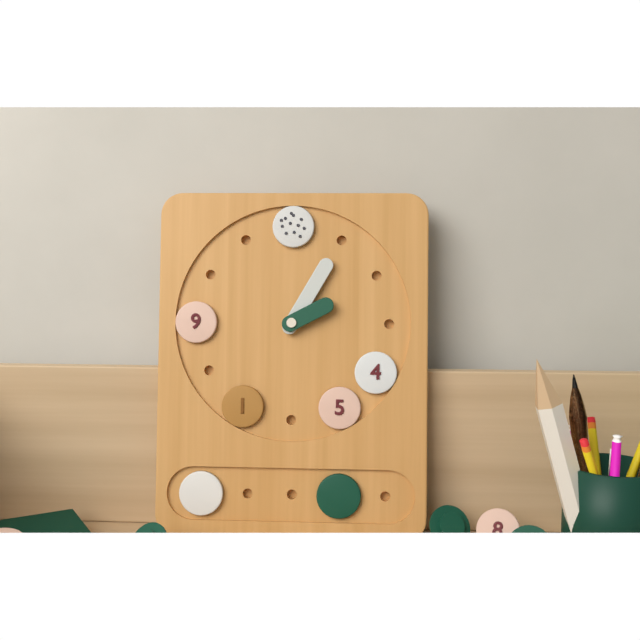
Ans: 2:05
